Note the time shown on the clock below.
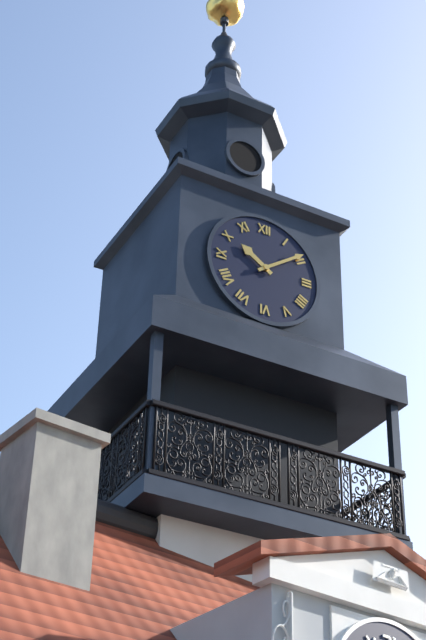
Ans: 10:09
